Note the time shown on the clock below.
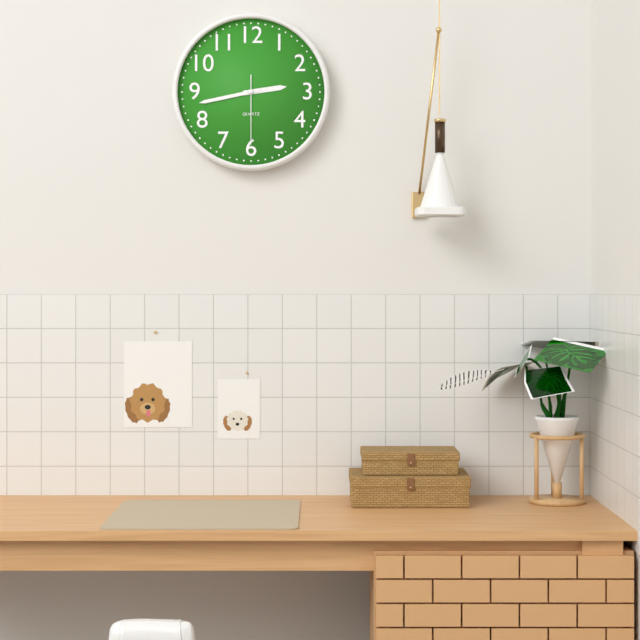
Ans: 2:43:30
